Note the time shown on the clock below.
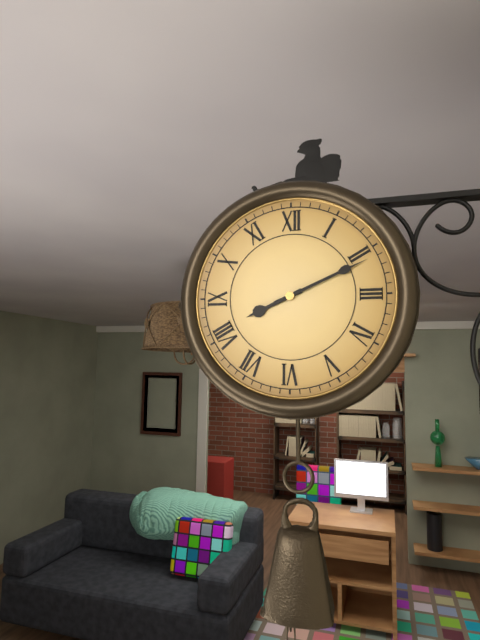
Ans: 8:11
